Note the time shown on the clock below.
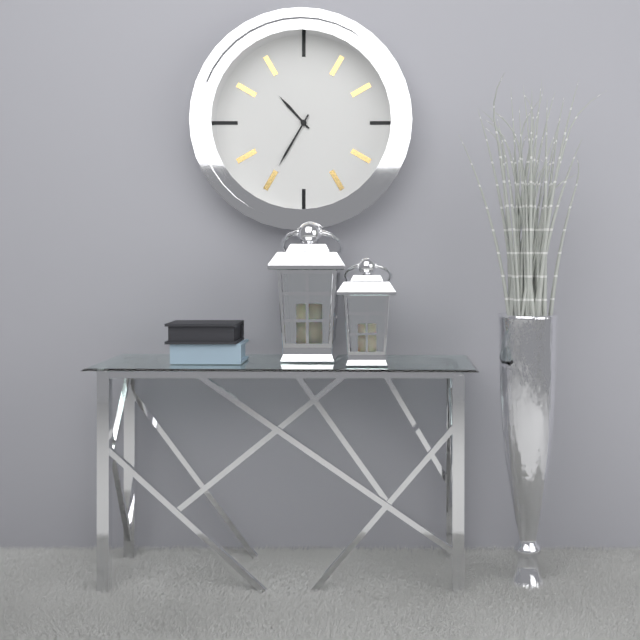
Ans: 10:35
